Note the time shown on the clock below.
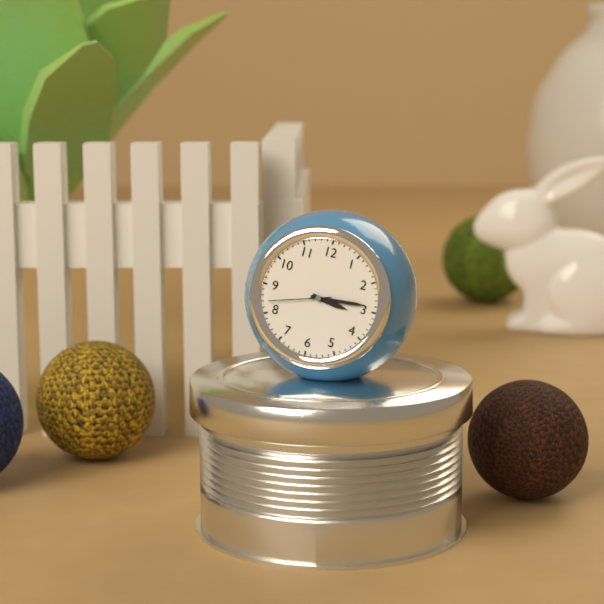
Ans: 3:14:42
